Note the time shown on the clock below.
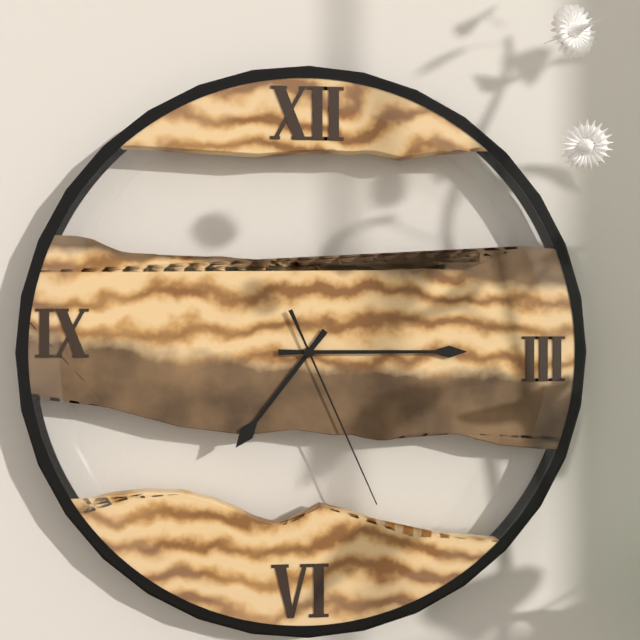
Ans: 7:15:26
